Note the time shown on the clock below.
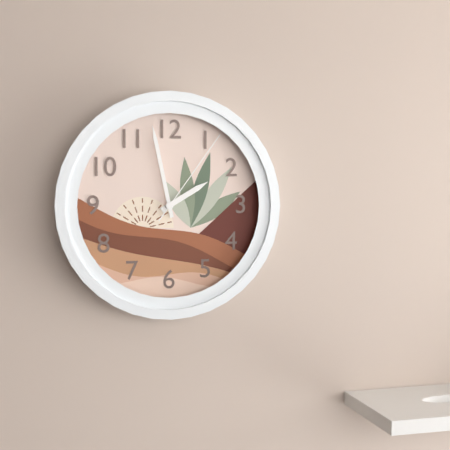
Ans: 1:58:06
